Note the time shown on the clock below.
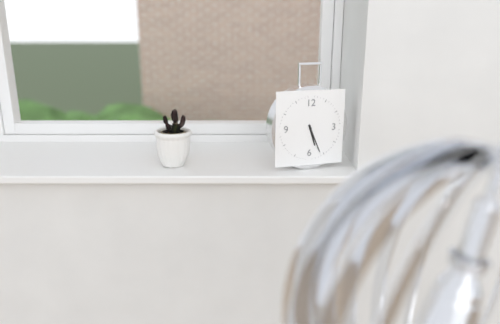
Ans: 5:26
